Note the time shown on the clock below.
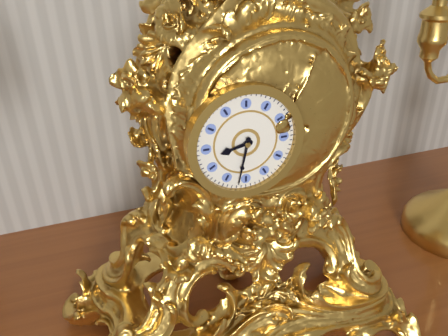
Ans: 8:32
